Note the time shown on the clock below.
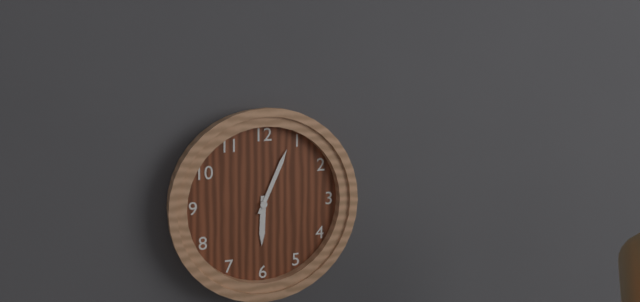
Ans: 6:04
